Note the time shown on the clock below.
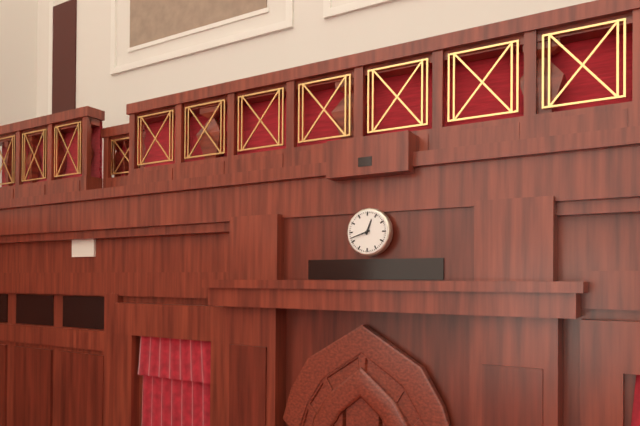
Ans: 12:42
